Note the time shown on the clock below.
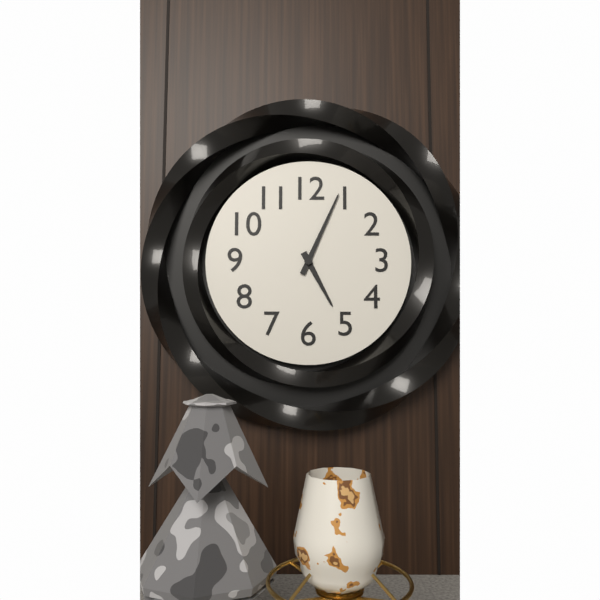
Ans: 5:04
